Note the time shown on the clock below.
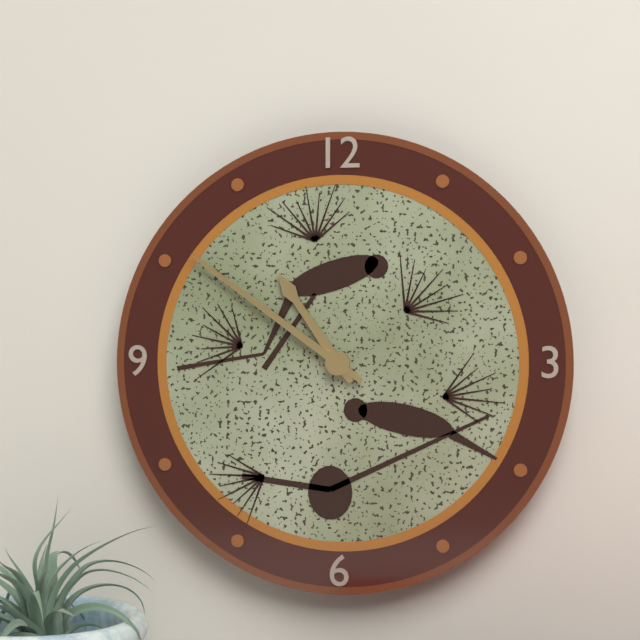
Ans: 10:51
